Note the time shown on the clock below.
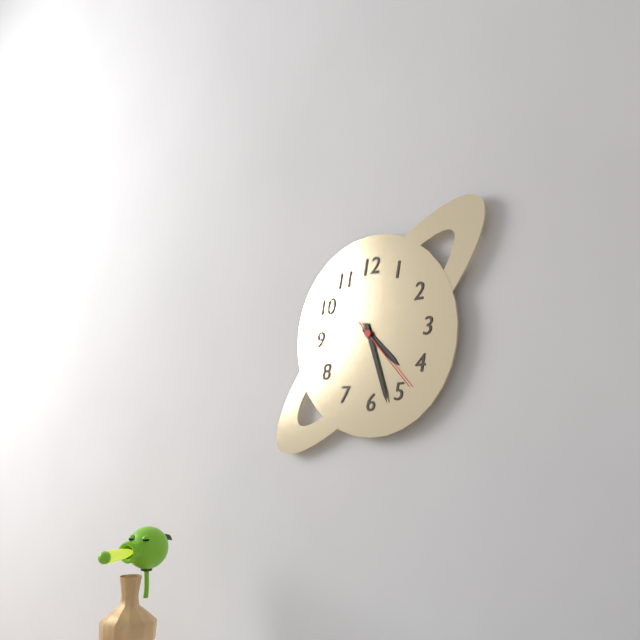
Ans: 4:27:23
